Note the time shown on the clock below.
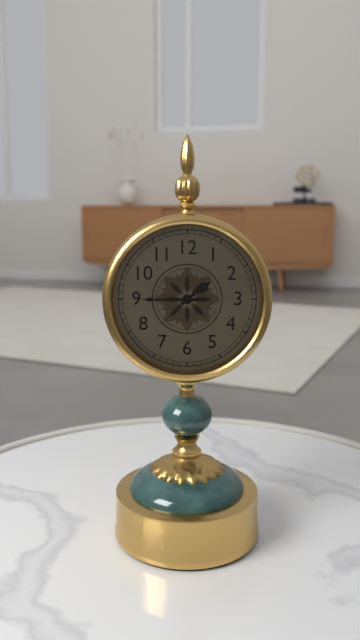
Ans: 1:45
